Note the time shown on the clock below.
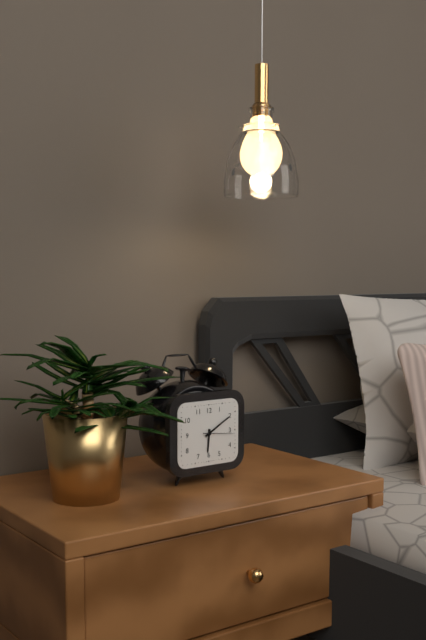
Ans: 6:10
